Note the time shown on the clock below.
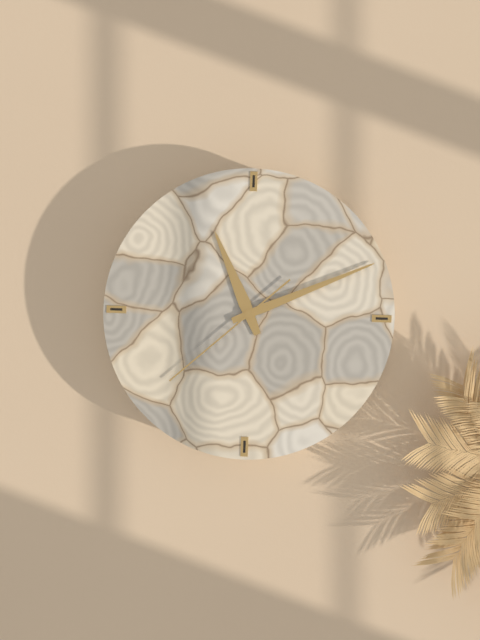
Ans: 11:11:38
